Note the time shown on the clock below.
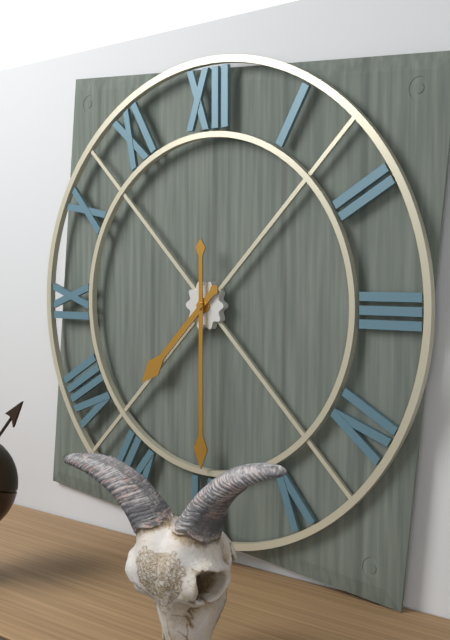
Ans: 7:30
